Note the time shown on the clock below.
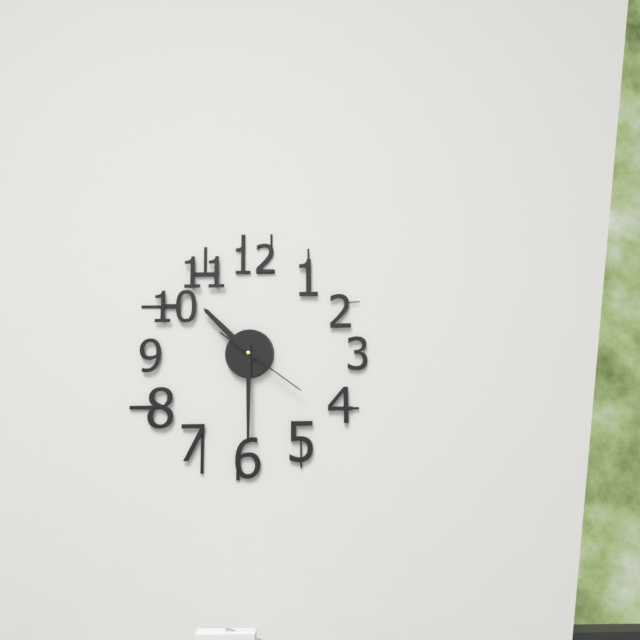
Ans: 10:30:21
